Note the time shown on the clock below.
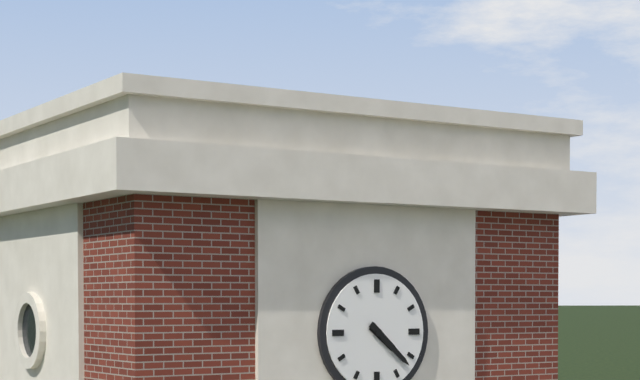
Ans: 4:22
